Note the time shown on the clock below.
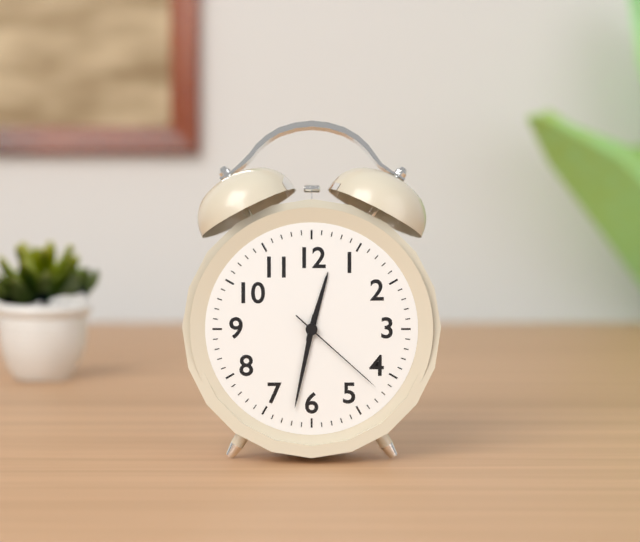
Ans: 12:32:22
